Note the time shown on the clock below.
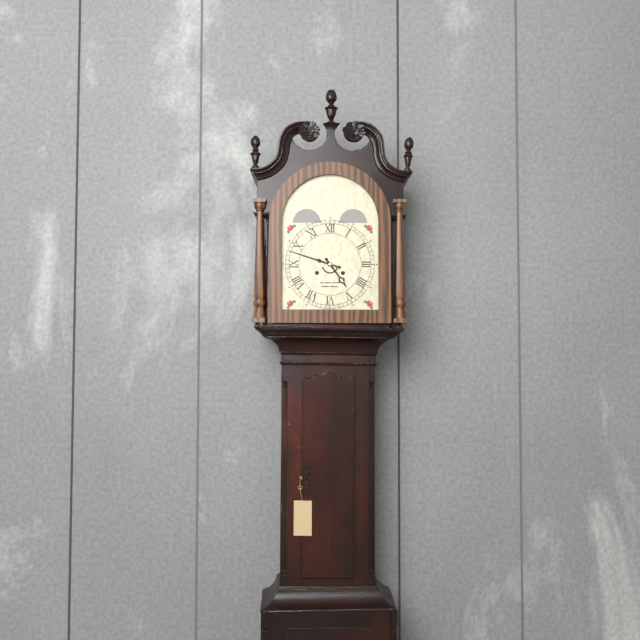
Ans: 4:48
